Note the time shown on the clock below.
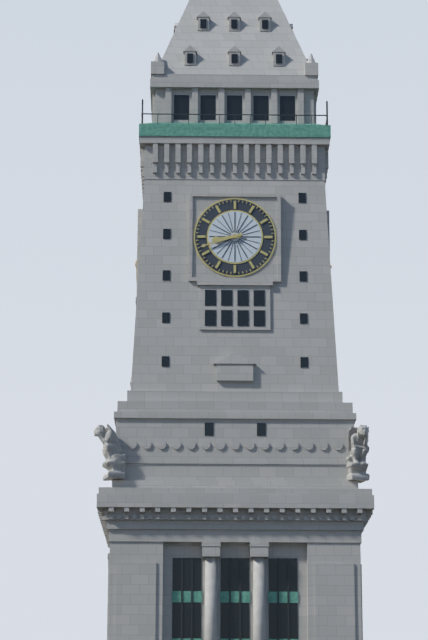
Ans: 8:42
